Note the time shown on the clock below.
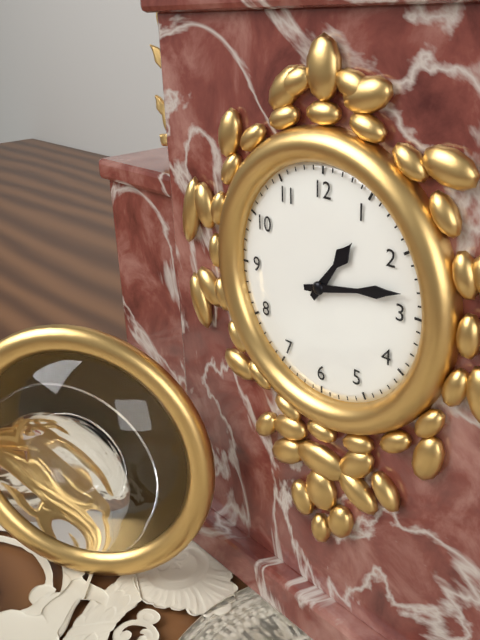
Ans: 1:13
